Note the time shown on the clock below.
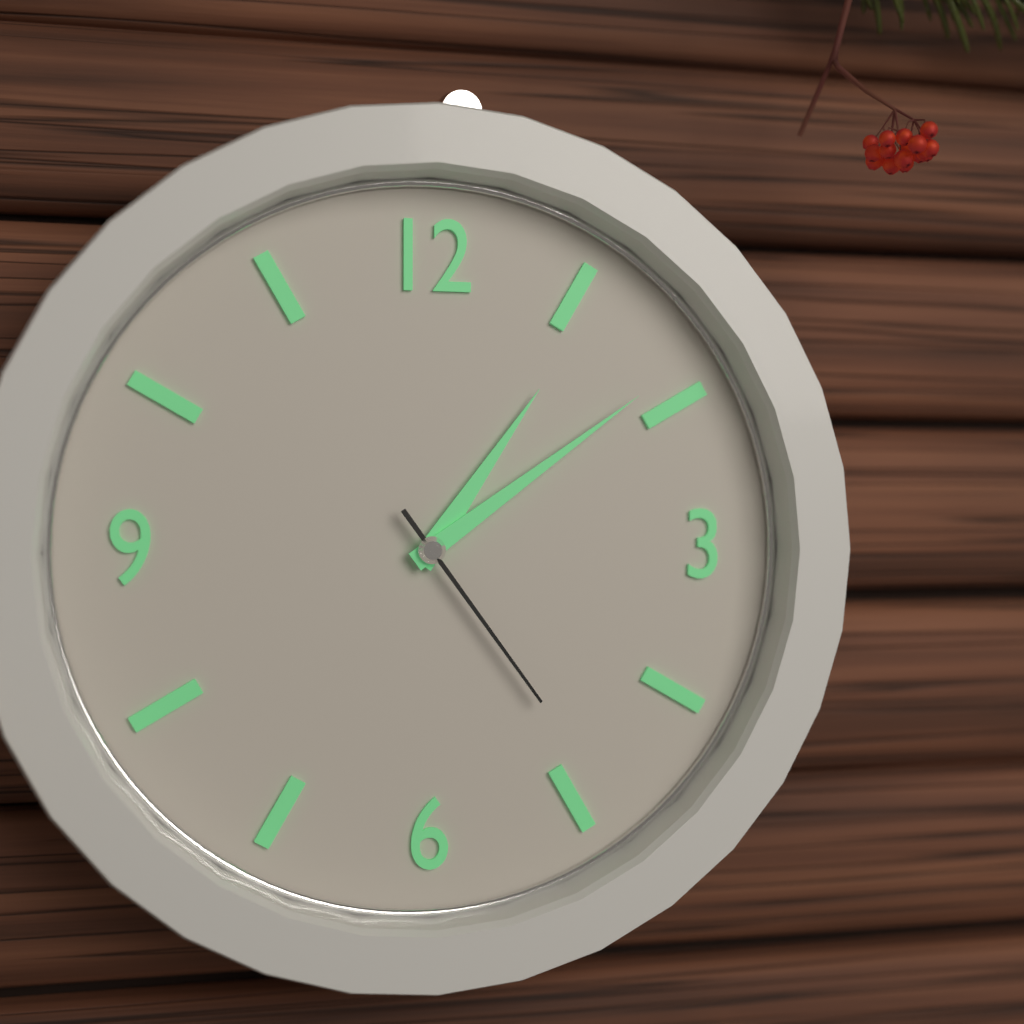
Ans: 1:09:24
